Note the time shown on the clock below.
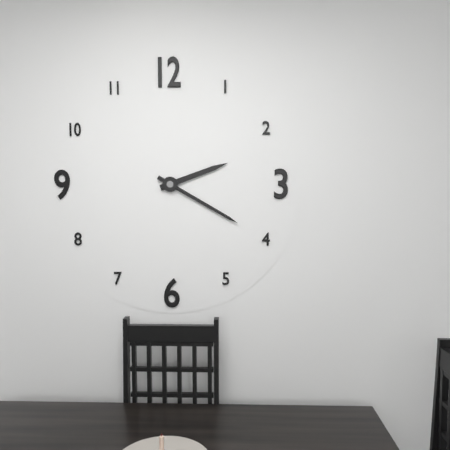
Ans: 2:20
